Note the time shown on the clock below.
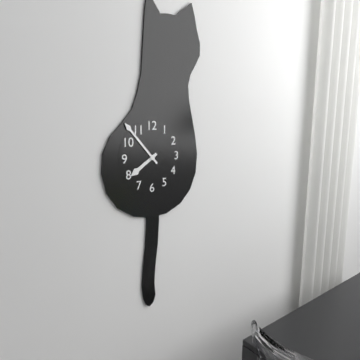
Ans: 7:53
